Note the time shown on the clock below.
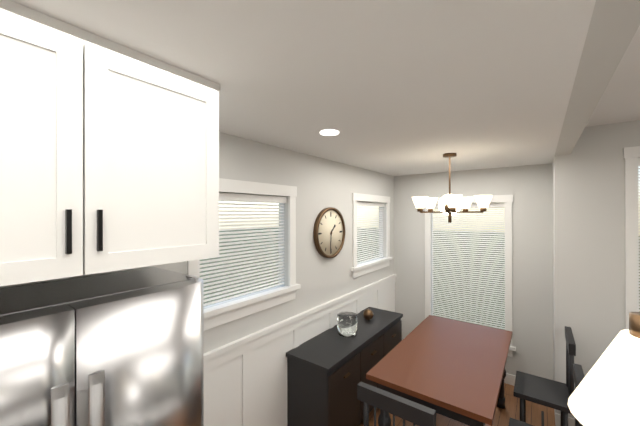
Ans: 1:31
